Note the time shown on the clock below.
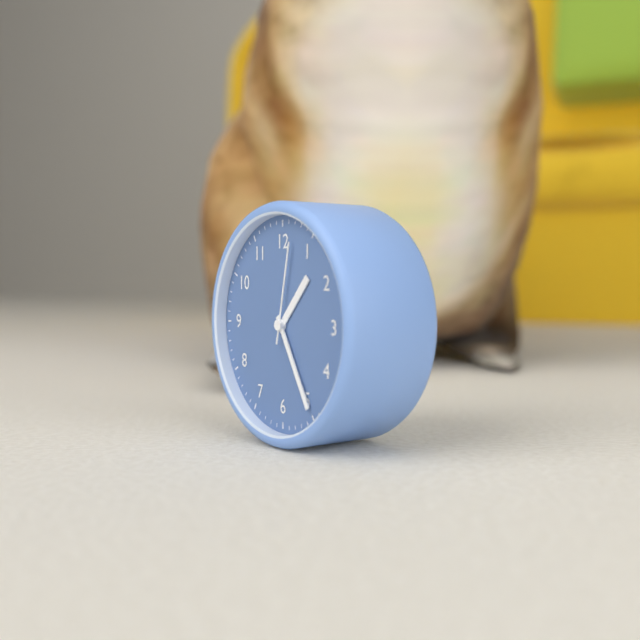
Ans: 1:25:02
